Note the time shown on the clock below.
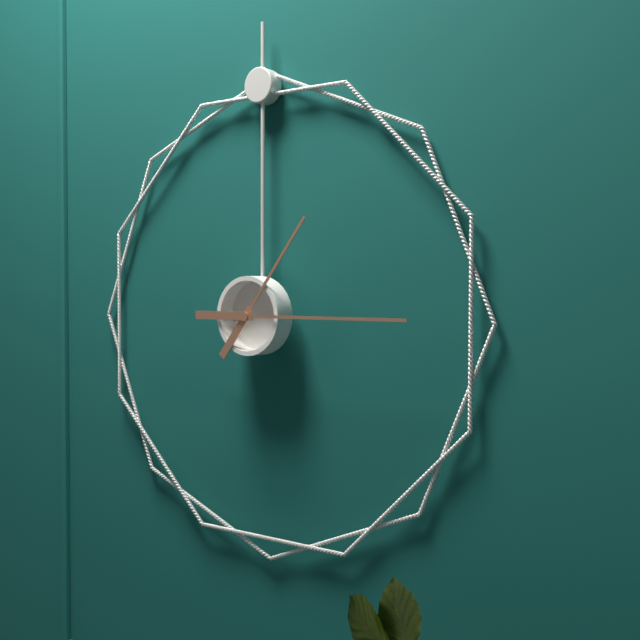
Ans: 1:15
